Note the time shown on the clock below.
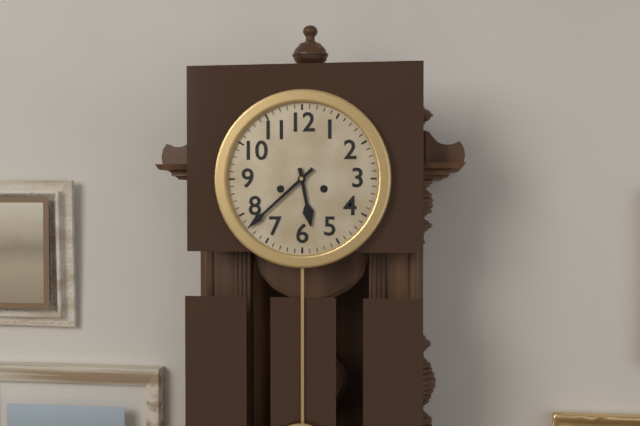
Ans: 5:38
